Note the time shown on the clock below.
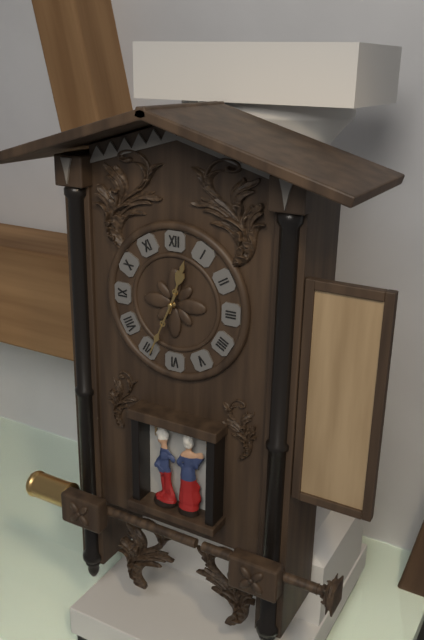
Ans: 12:34
